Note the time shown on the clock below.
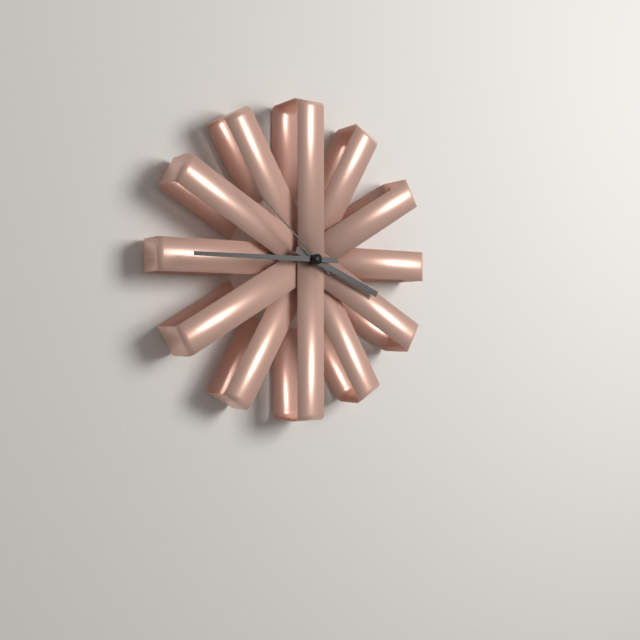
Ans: 3:45:52
